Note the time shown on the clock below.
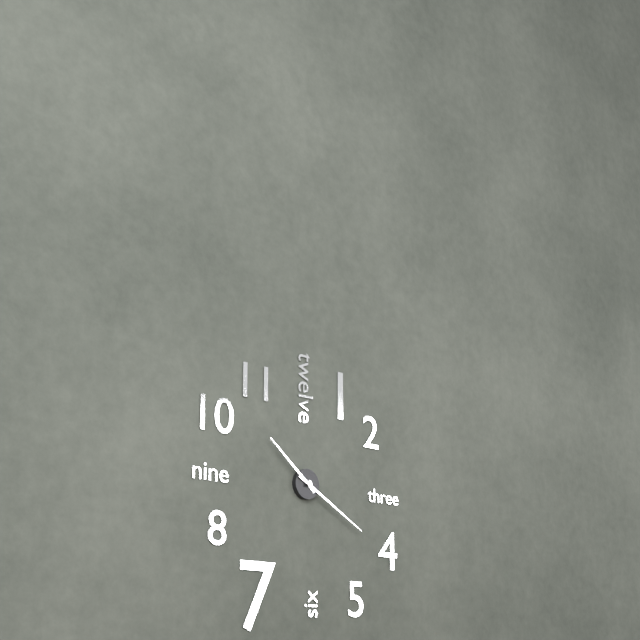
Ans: 10:20
